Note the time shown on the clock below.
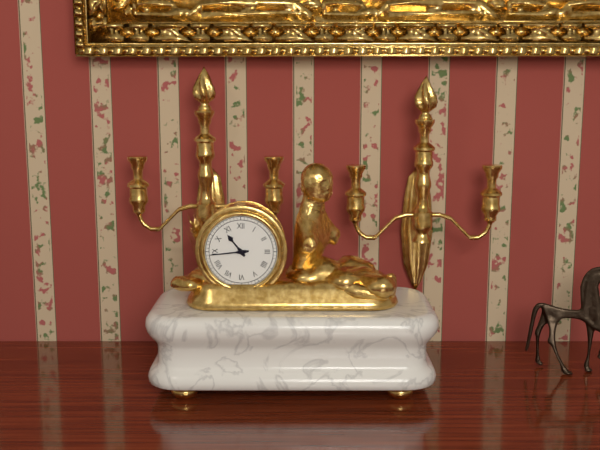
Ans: 10:44
